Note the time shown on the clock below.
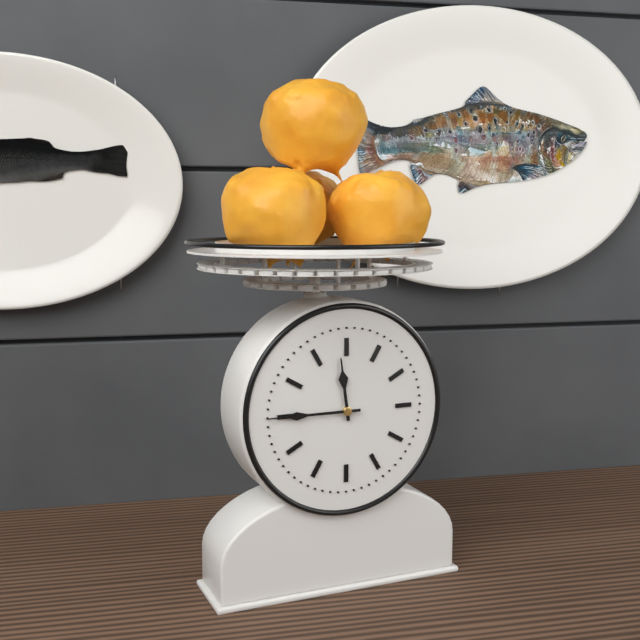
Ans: 11:45
